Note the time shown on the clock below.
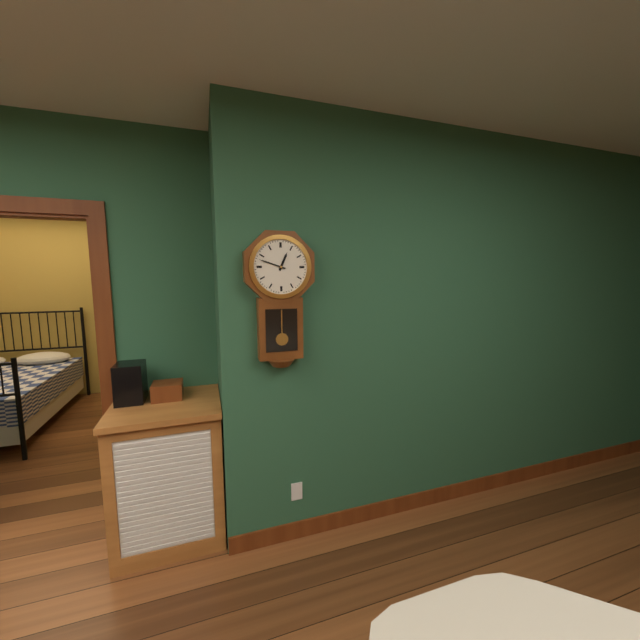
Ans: 12:48
